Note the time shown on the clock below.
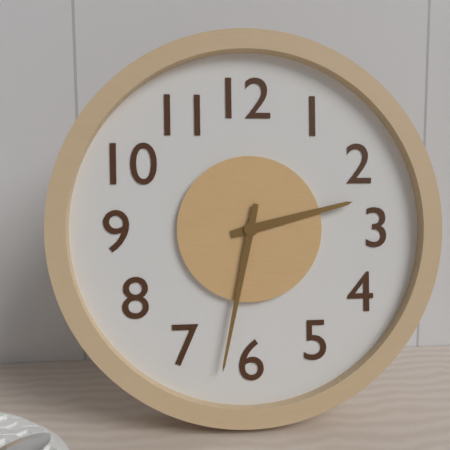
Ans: 2:32
